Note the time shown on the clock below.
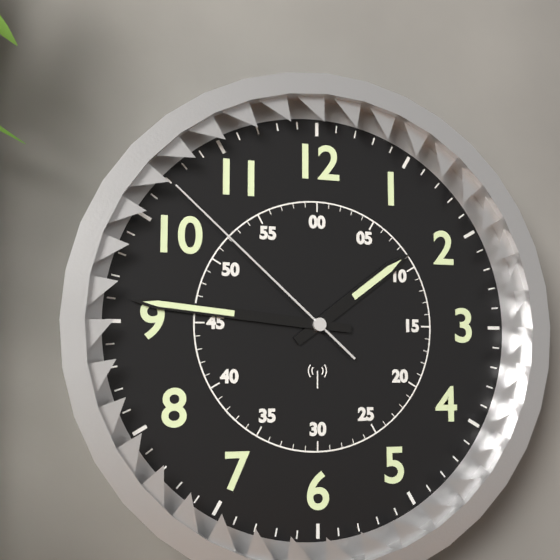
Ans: 1:46:52
